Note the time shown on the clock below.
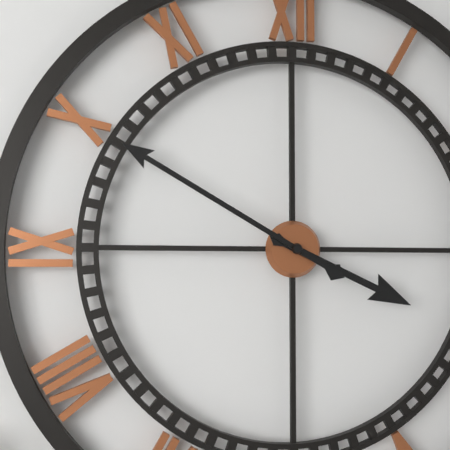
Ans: 3:50
